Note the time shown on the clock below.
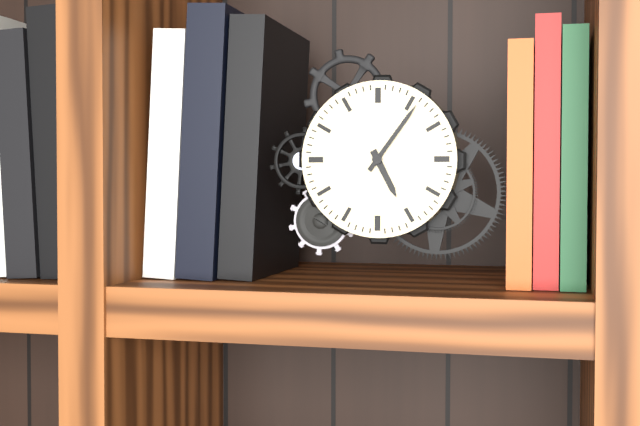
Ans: 5:06
